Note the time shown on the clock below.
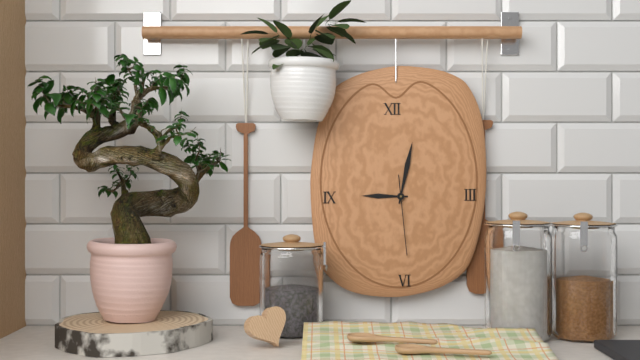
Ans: 9:02:29
